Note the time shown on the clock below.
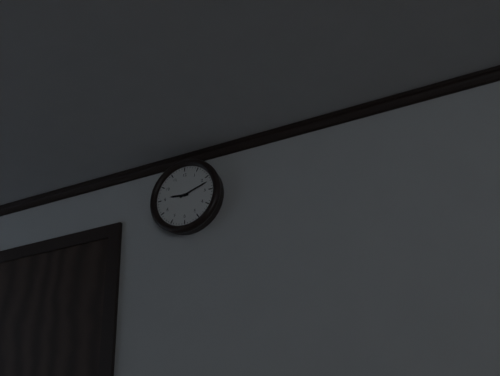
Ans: 9:12
